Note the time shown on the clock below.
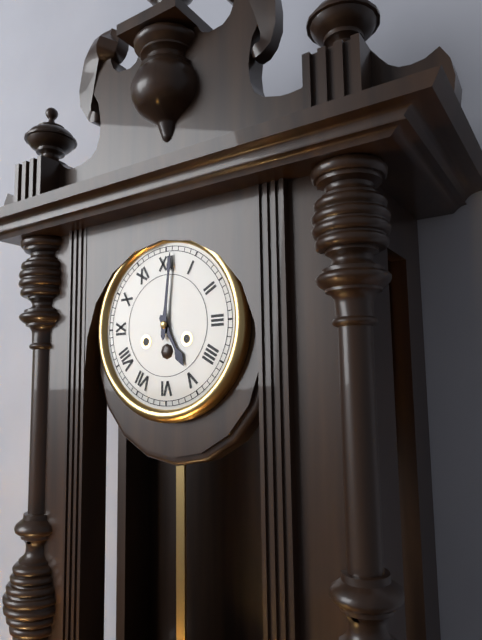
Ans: 5:01
